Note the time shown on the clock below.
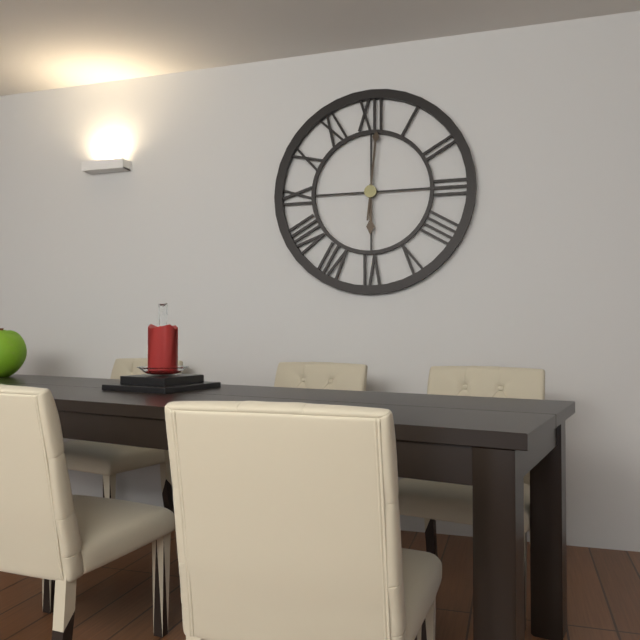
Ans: 6:01
